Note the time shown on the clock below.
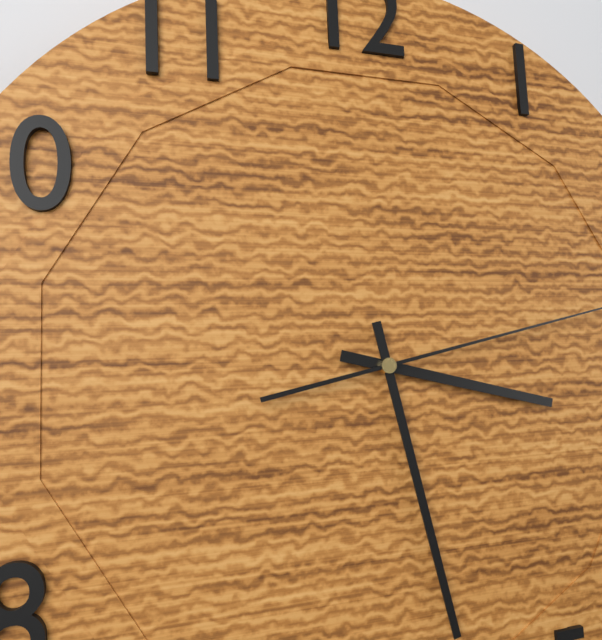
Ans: 3:28
